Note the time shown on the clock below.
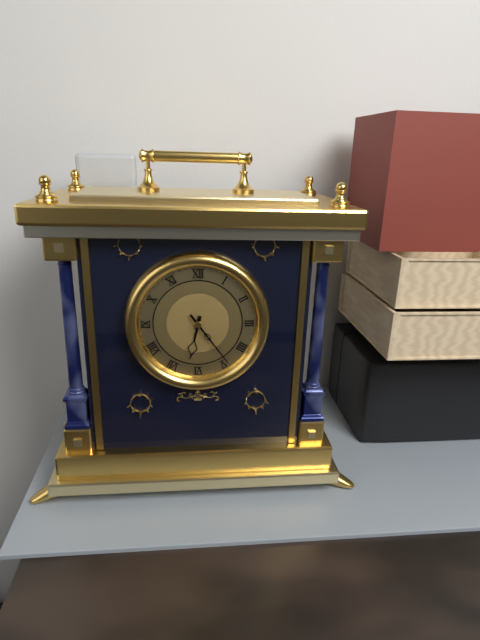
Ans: 6:24
